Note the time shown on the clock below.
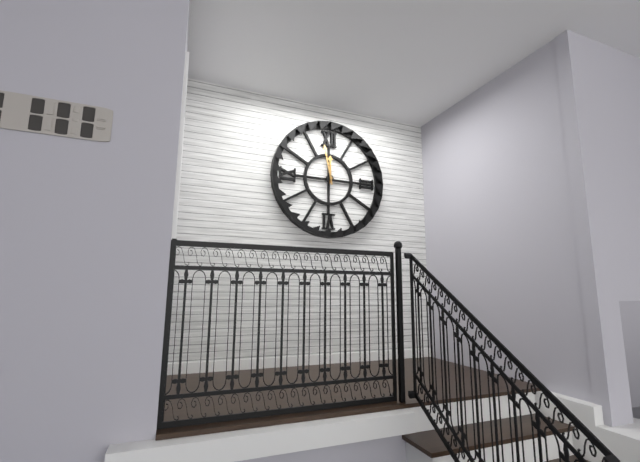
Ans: 11:58
